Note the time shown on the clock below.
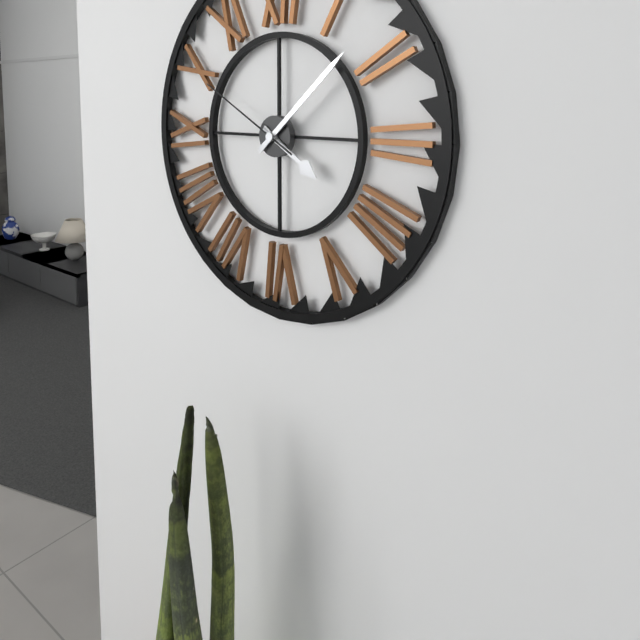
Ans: 4:08:50
